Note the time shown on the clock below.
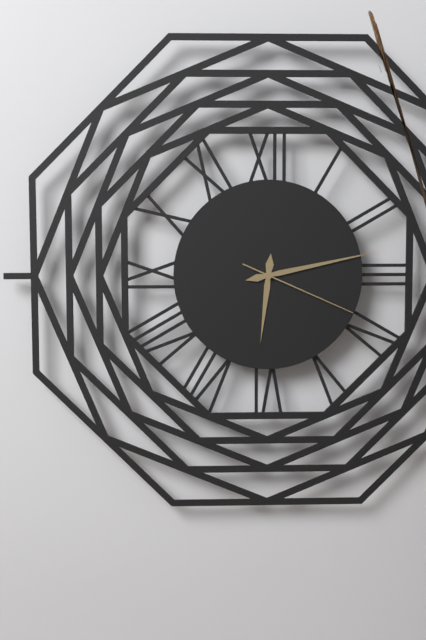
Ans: 6:13:19
